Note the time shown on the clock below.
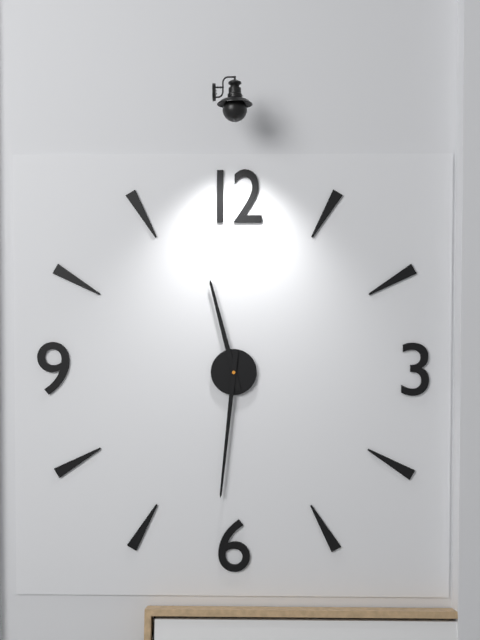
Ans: 11:31
